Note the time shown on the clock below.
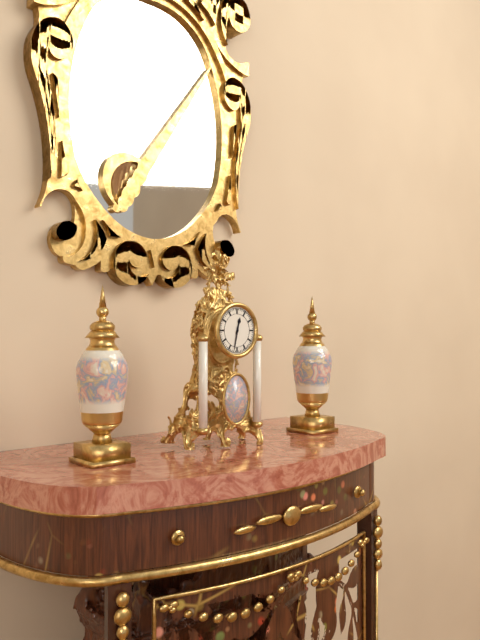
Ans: 12:32
